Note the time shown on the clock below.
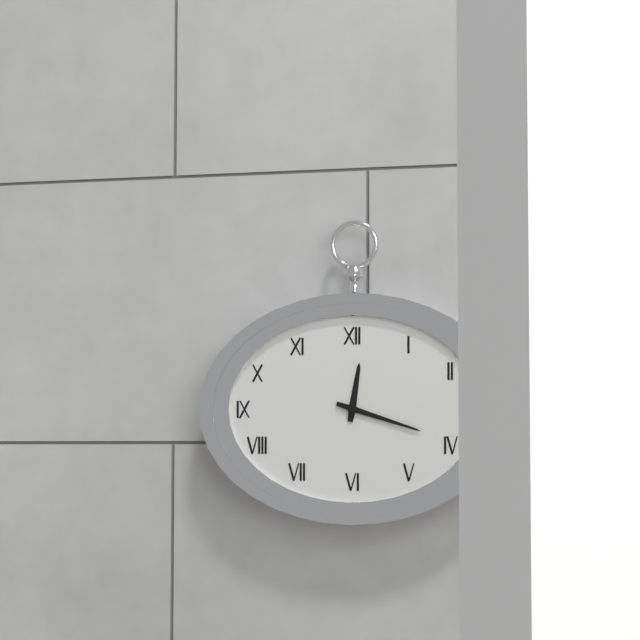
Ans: 12:18
